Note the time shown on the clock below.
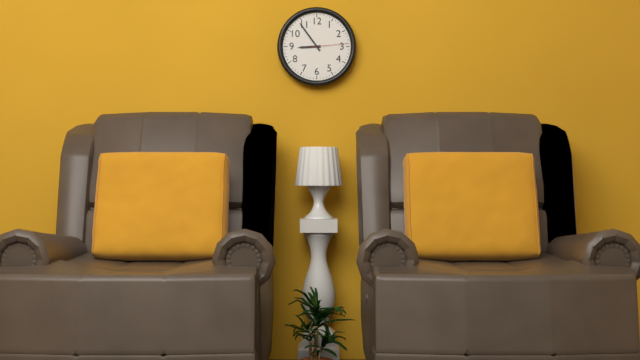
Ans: 8:54
